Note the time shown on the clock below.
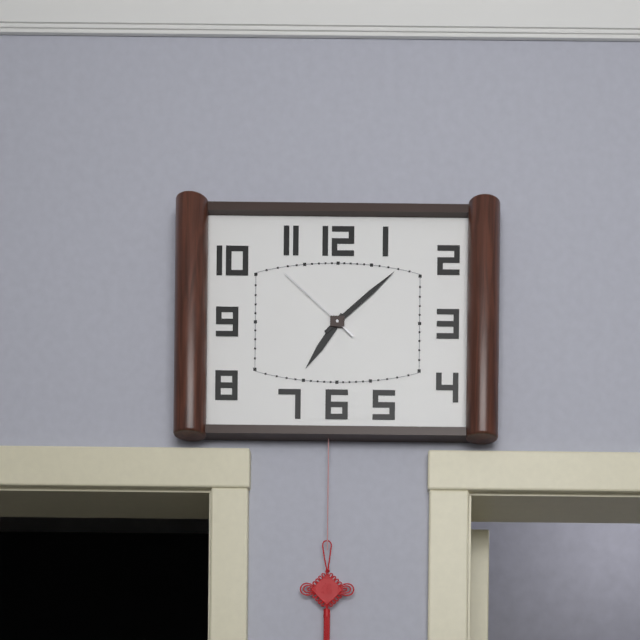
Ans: 7:08:52
